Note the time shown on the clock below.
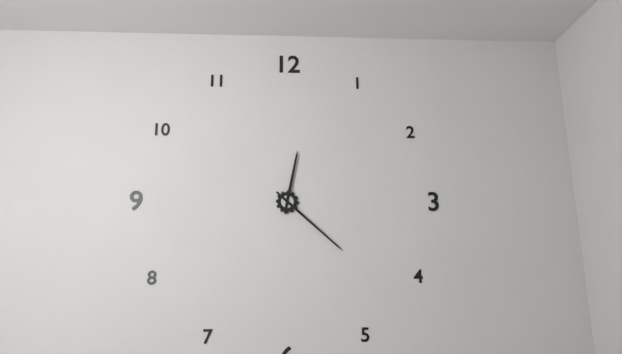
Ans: 12:22
